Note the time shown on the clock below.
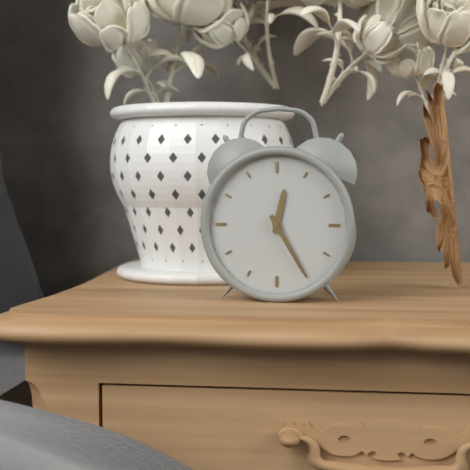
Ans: 12:25
